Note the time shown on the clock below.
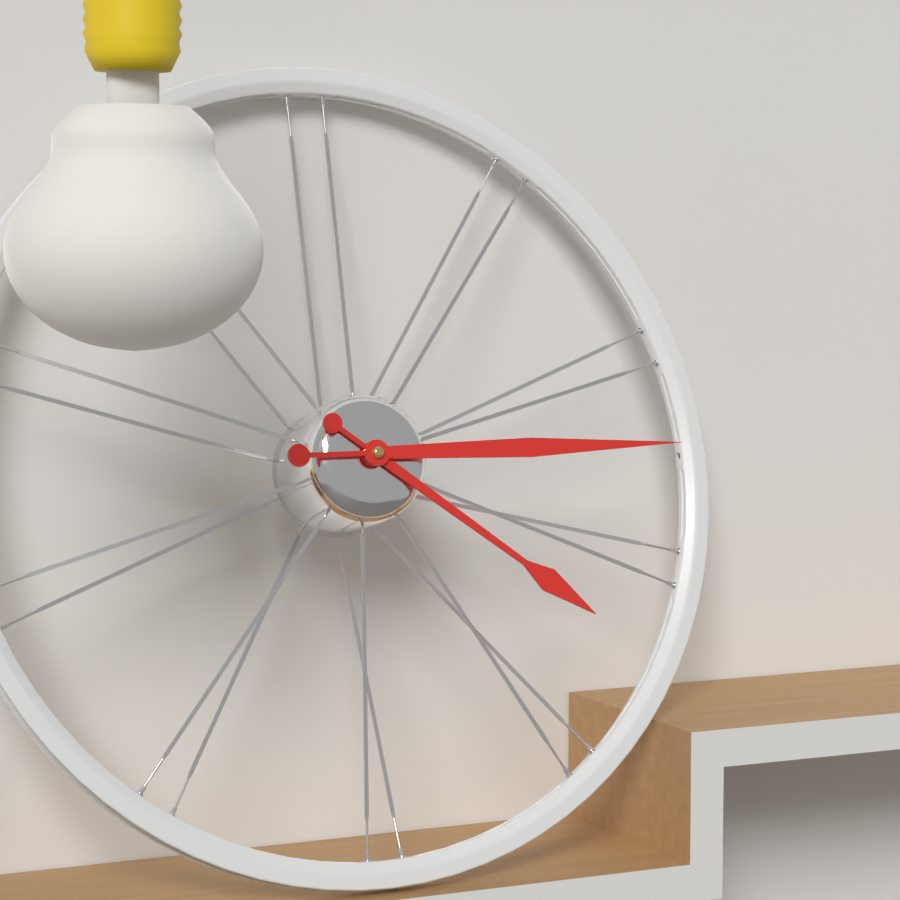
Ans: 4:15
